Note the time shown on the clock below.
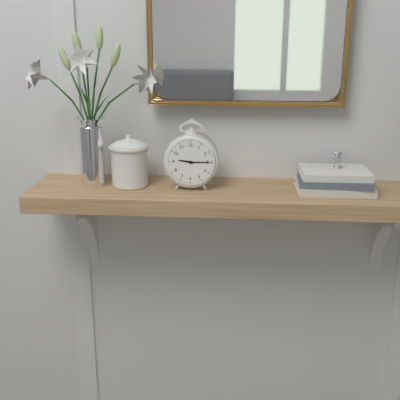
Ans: 9:15
